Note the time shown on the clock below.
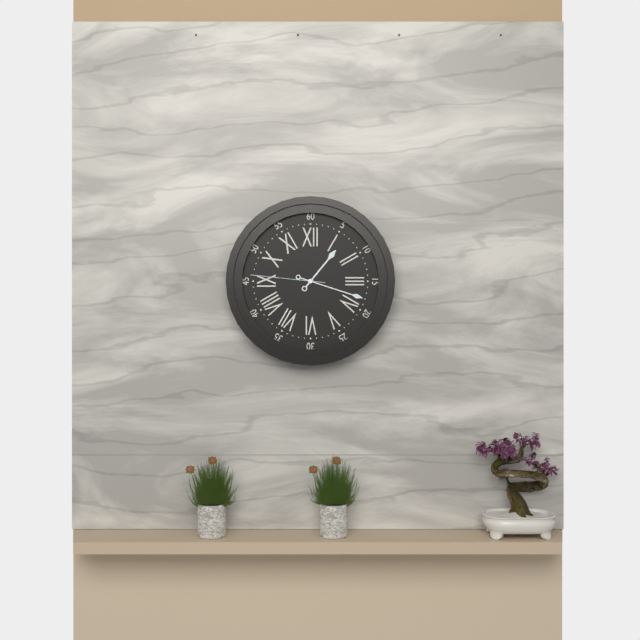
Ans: 1:18:46
